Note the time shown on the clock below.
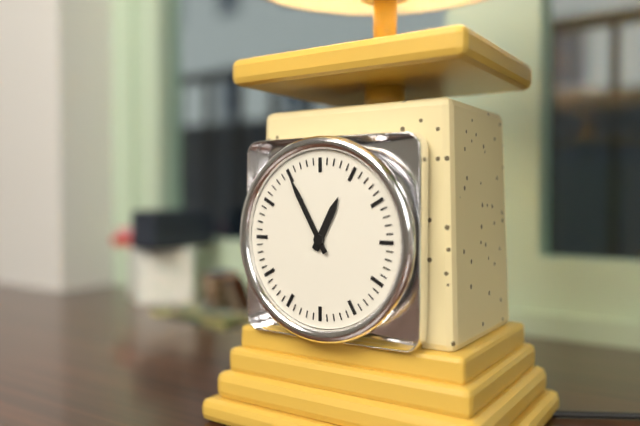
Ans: 12:55
